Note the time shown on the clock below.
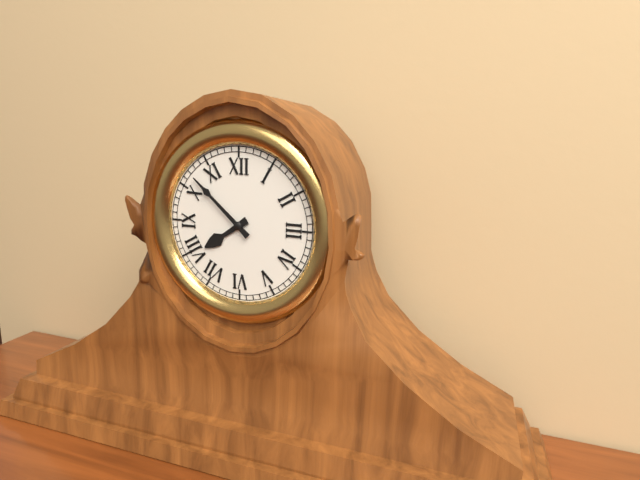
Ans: 7:52
